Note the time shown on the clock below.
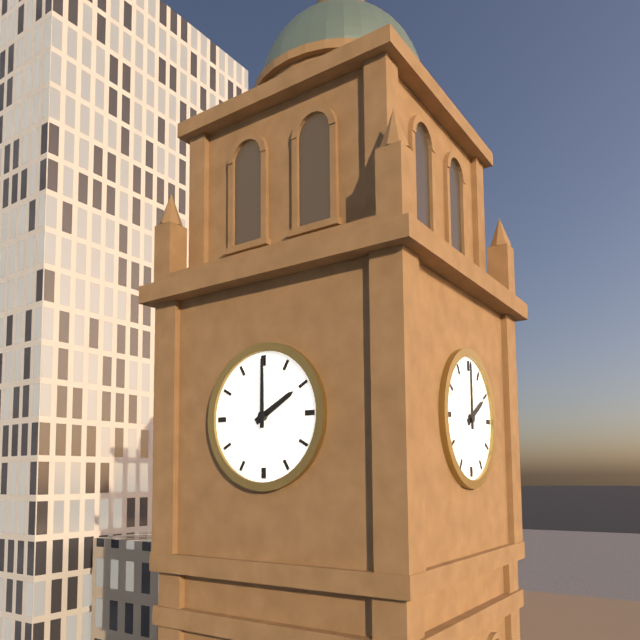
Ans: 2:00
